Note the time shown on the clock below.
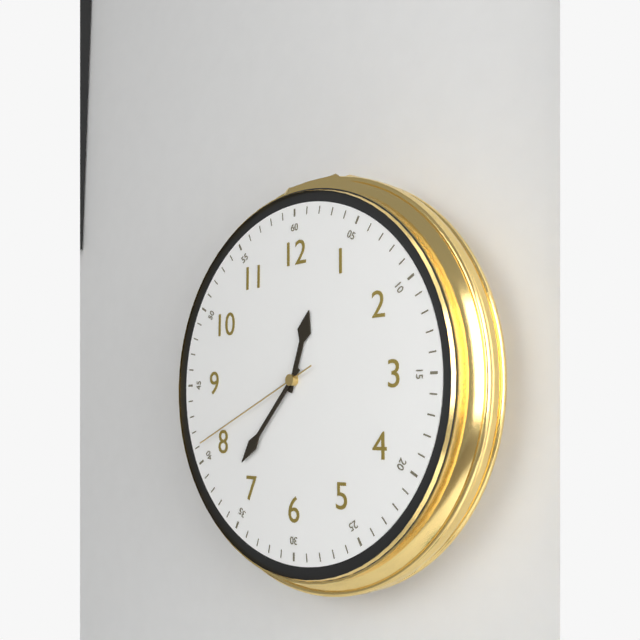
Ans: 12:37:41
